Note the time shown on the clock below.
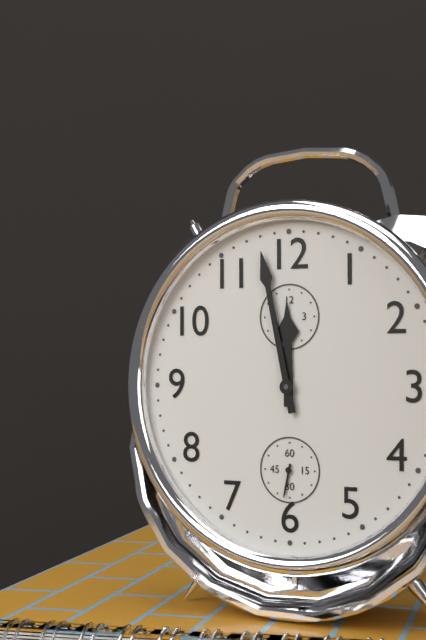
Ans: 11:58
